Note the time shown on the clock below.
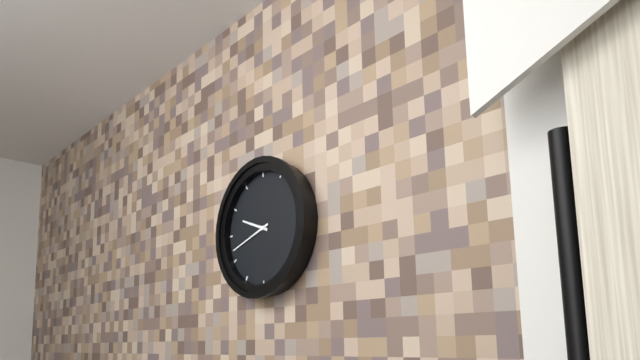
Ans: 9:42
